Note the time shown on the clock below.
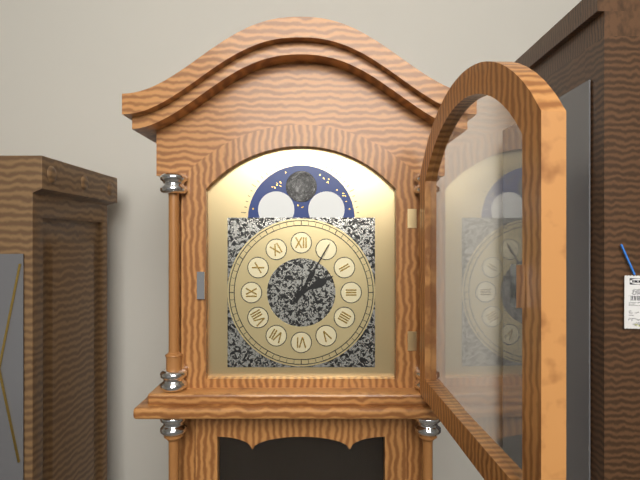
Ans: 2:05
